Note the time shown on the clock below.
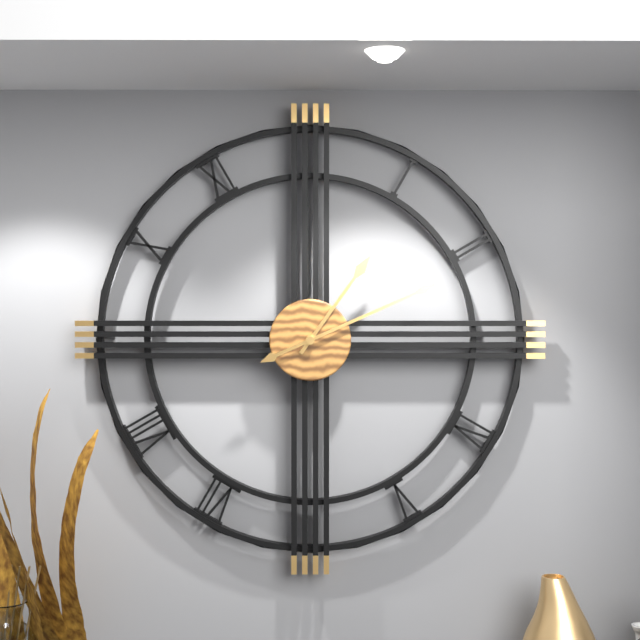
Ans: 1:11
